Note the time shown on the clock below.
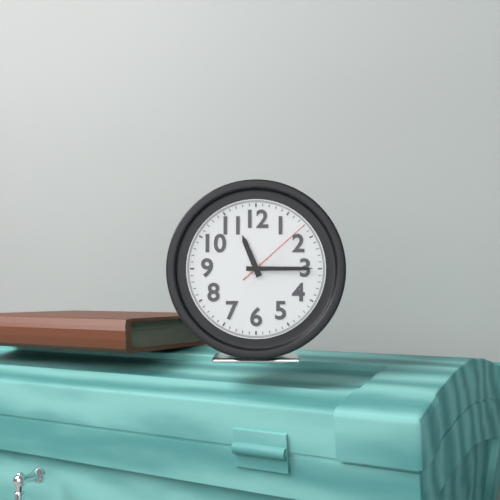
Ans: 11:15:08
